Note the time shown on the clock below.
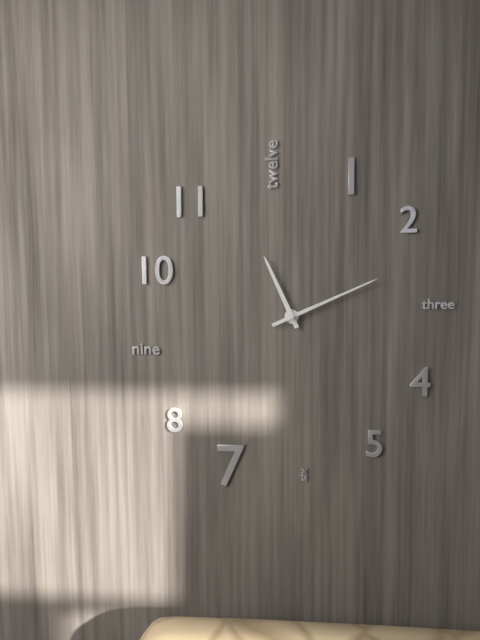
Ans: 11:11
